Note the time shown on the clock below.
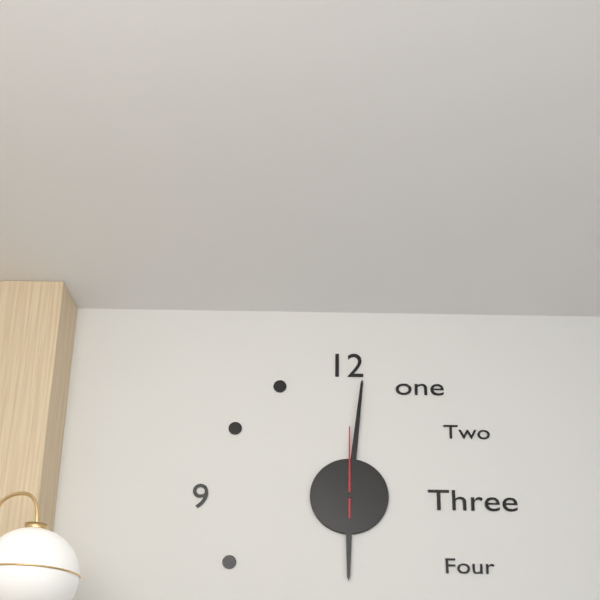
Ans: 6:01:00
